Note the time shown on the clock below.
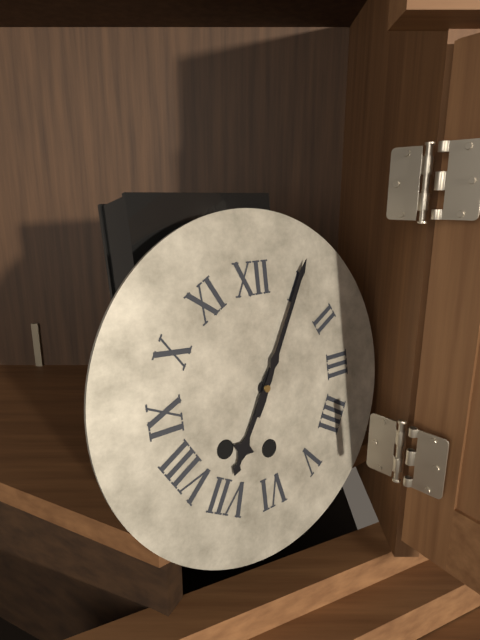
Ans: 7:05
